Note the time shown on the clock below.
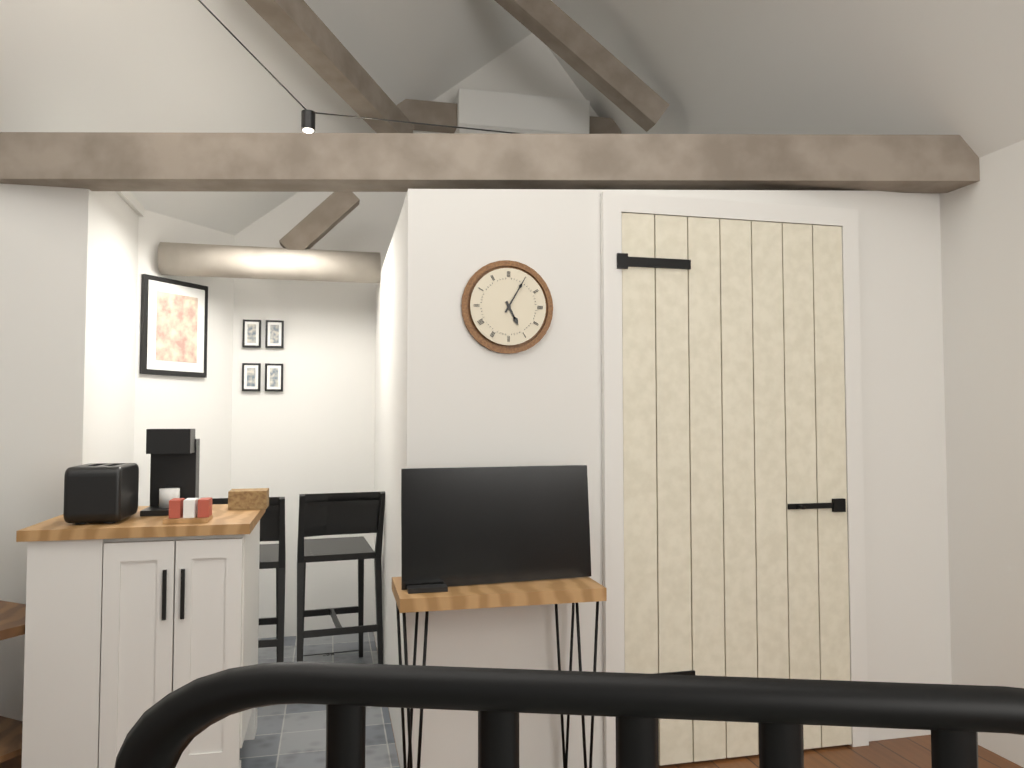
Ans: 5:05
